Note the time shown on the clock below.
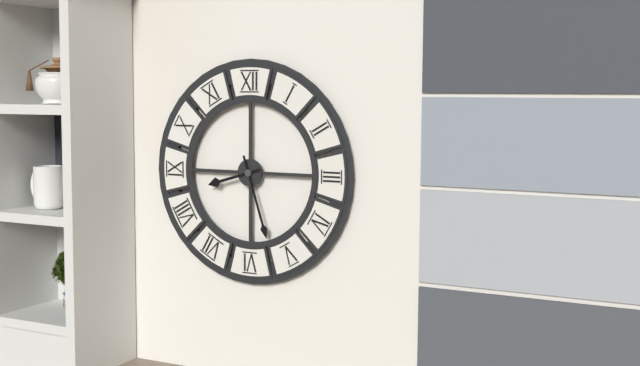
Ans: 8:27
